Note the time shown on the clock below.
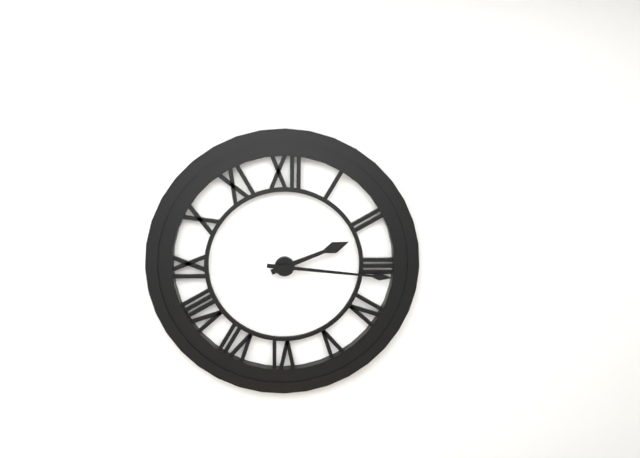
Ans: 2:16
